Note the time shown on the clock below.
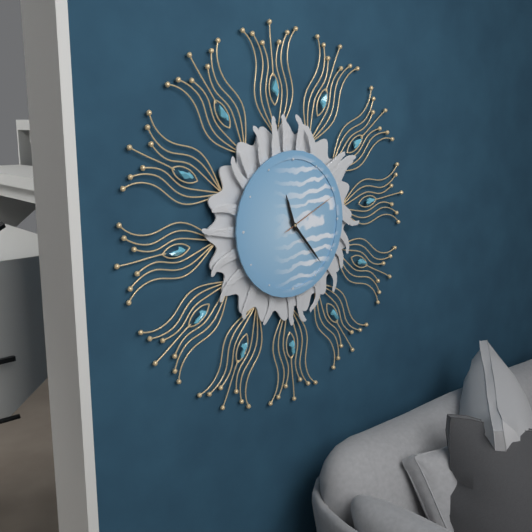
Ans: 11:23:11
